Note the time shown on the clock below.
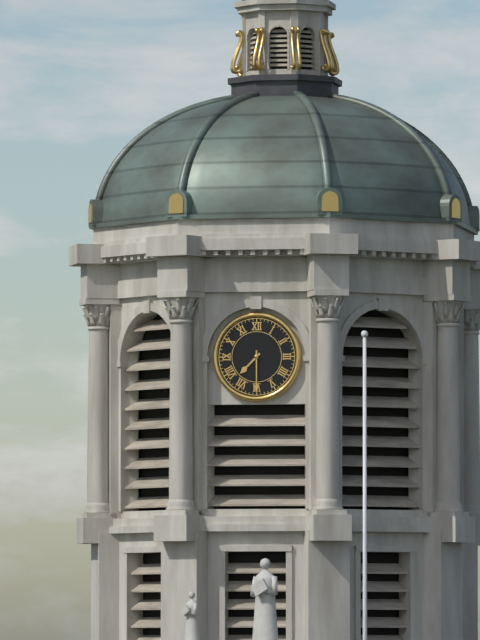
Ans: 7:30
